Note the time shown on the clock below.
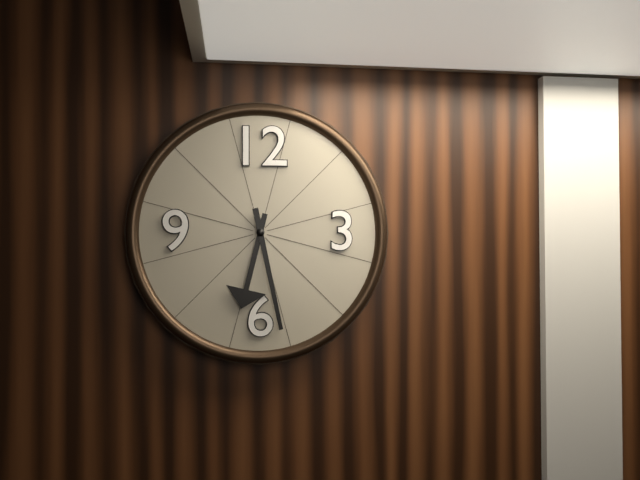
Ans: 6:28
